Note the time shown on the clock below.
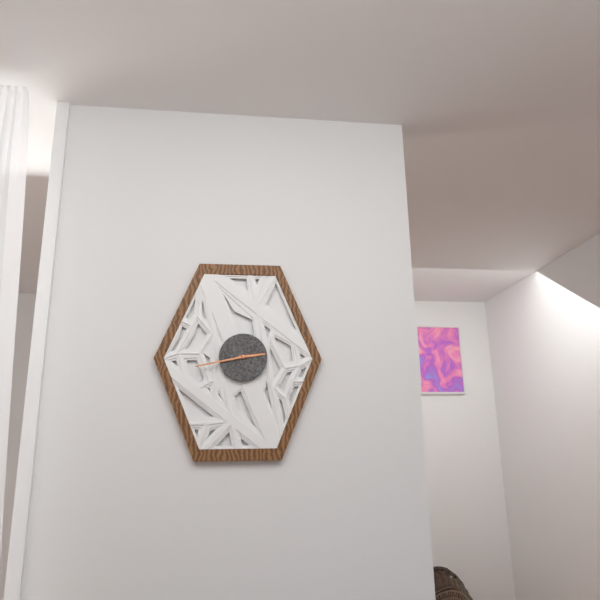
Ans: 2:43
